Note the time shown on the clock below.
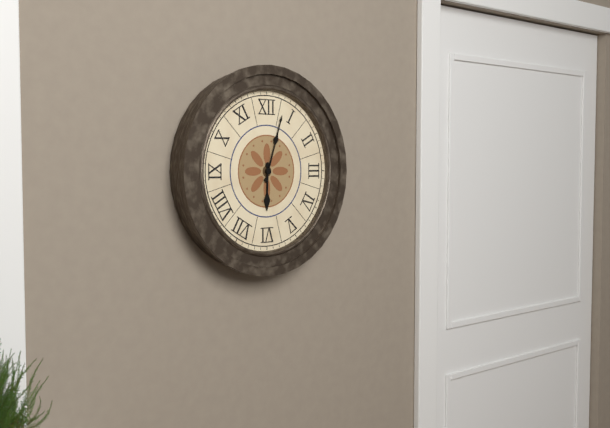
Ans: 6:03
